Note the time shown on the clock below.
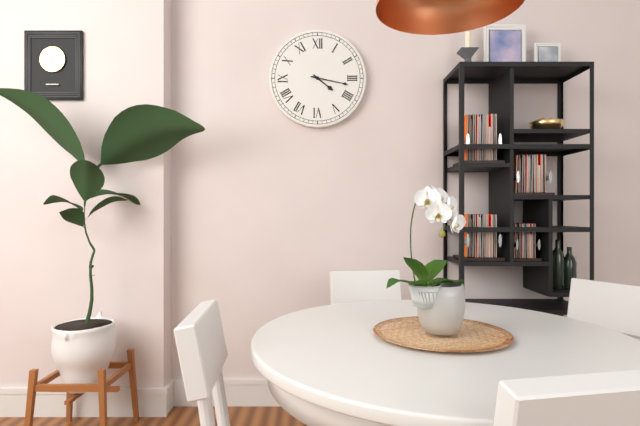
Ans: 4:17
